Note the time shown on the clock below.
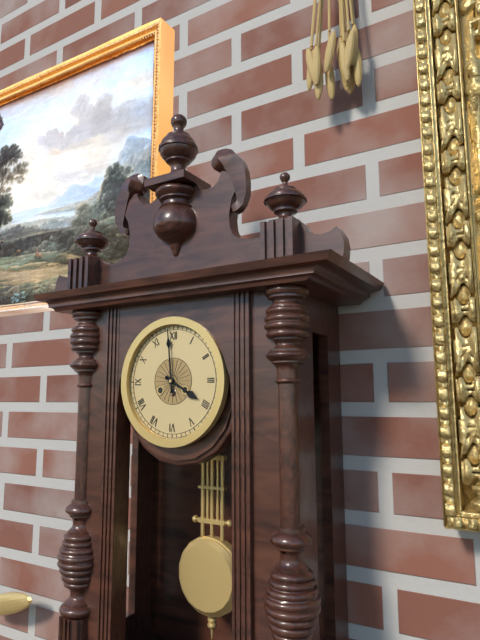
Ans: 3:59
